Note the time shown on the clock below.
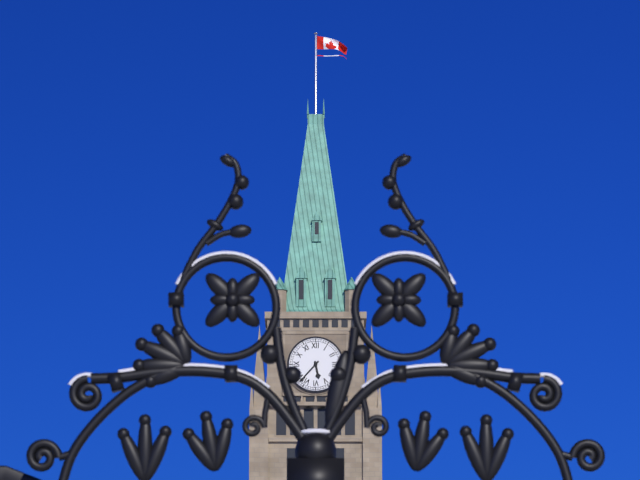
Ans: 5:37
